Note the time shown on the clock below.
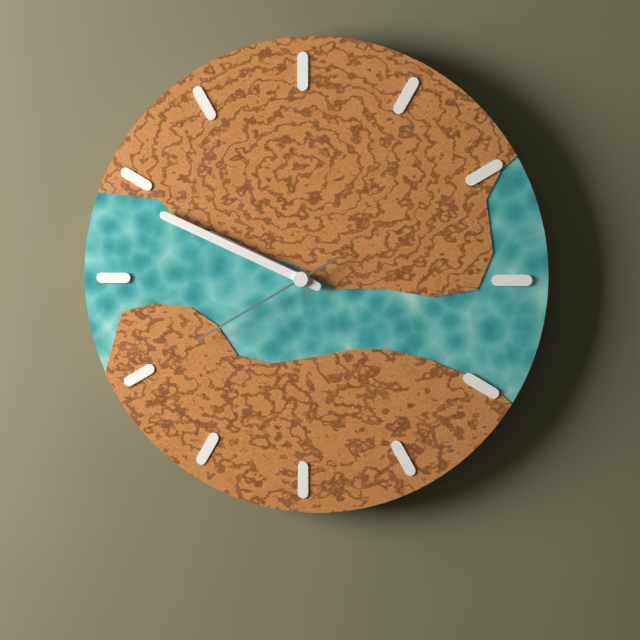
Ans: 9:49:40
